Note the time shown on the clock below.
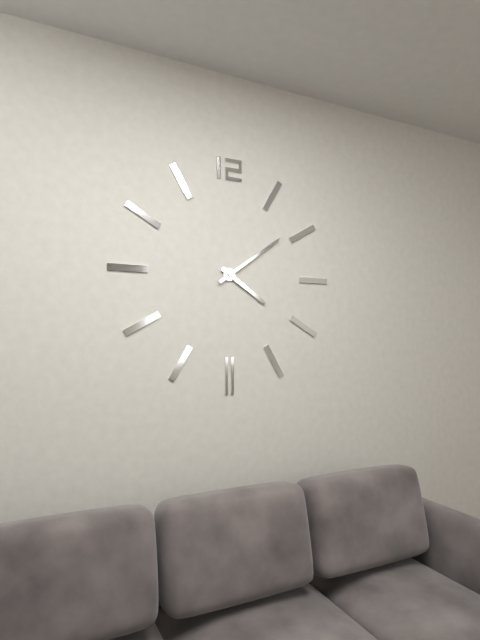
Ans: 4:09
